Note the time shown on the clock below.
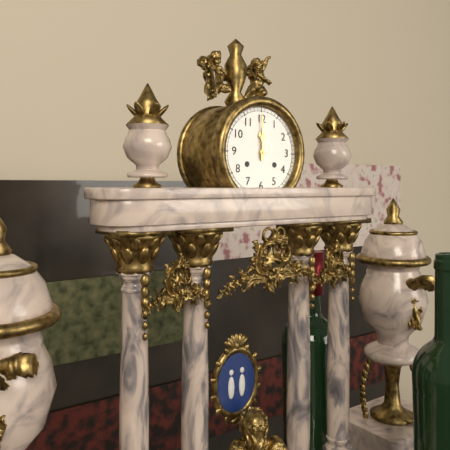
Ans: 12:00
